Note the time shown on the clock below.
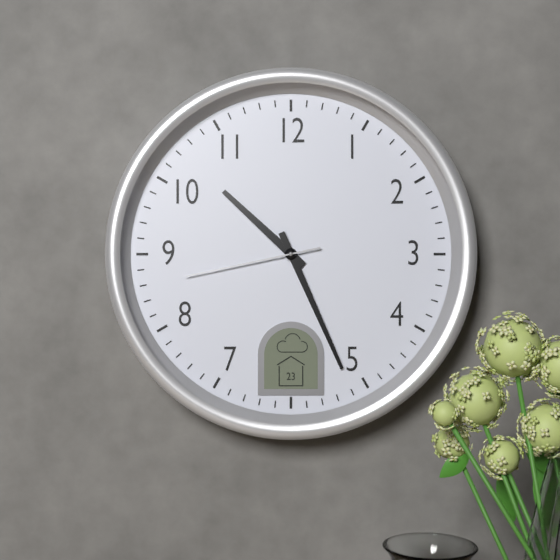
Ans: 10:26:43
